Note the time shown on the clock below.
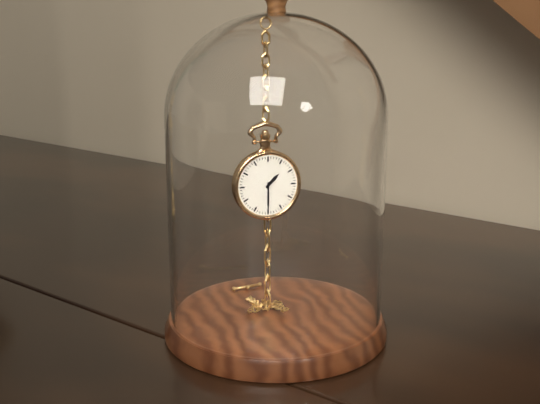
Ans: 1:30
